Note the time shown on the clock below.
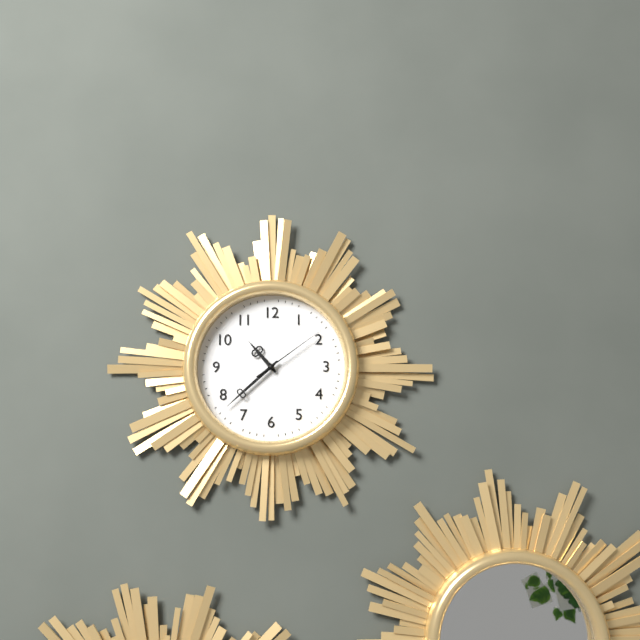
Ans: 10:38:09
